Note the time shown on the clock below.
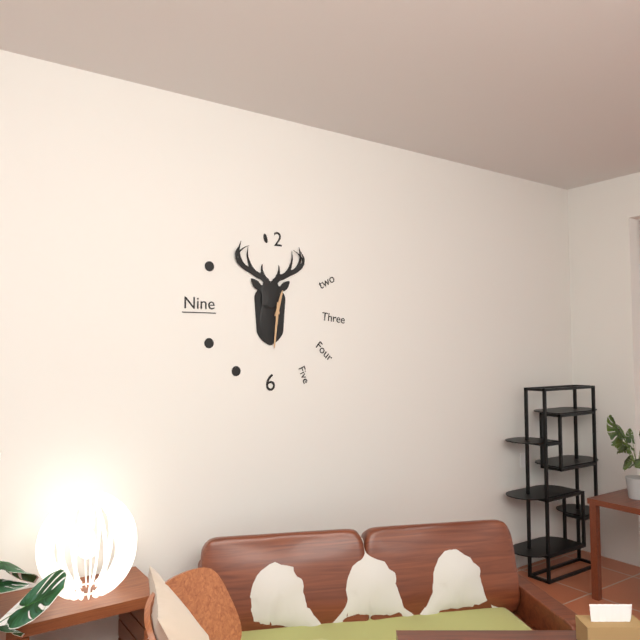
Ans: 12:31
